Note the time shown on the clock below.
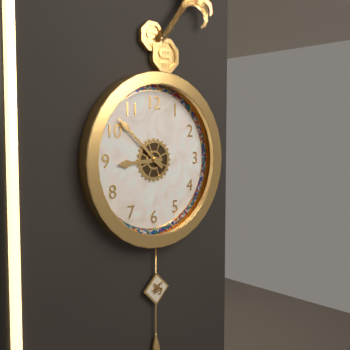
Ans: 8:52
